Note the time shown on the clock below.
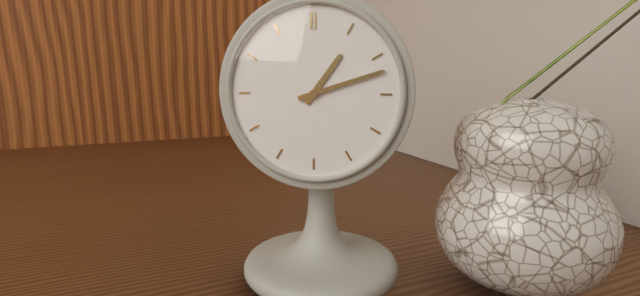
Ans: 1:12
